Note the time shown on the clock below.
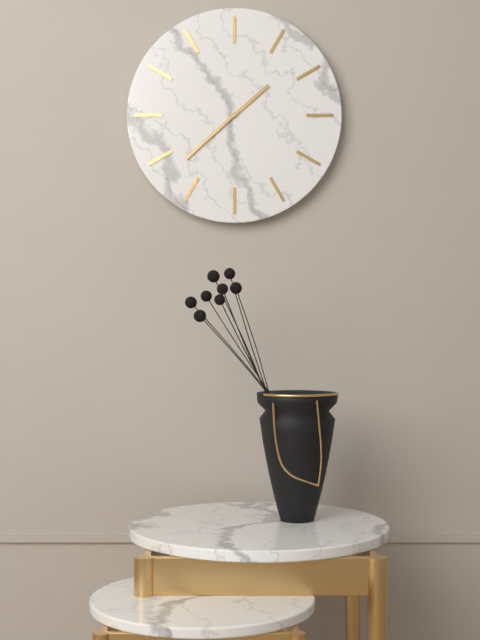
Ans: 1:38
